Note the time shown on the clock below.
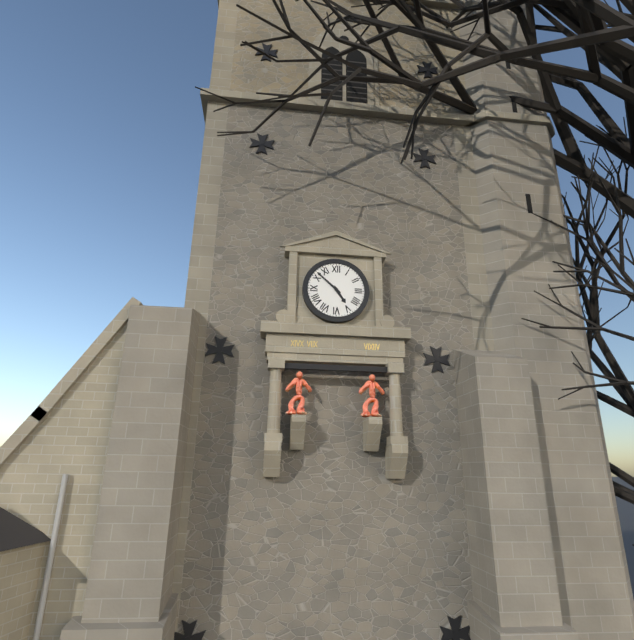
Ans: 4:52
